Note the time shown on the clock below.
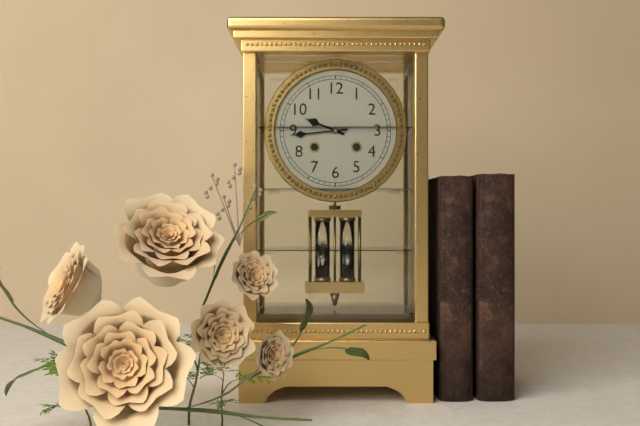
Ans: 9:44
